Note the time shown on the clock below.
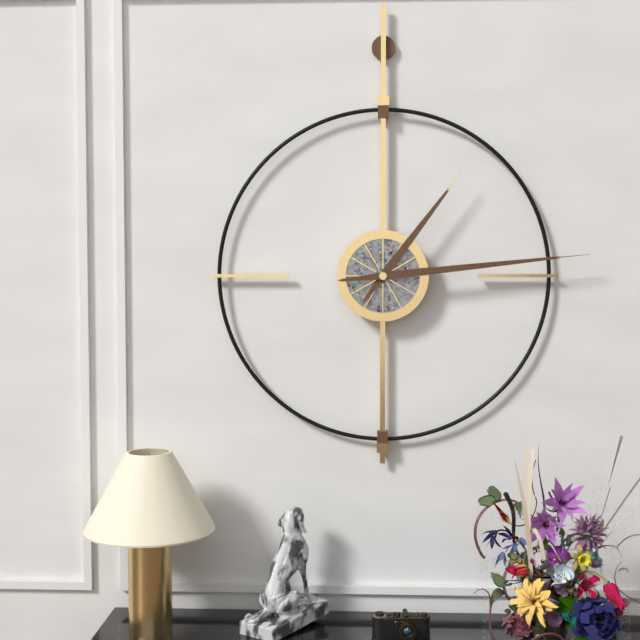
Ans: 1:14
